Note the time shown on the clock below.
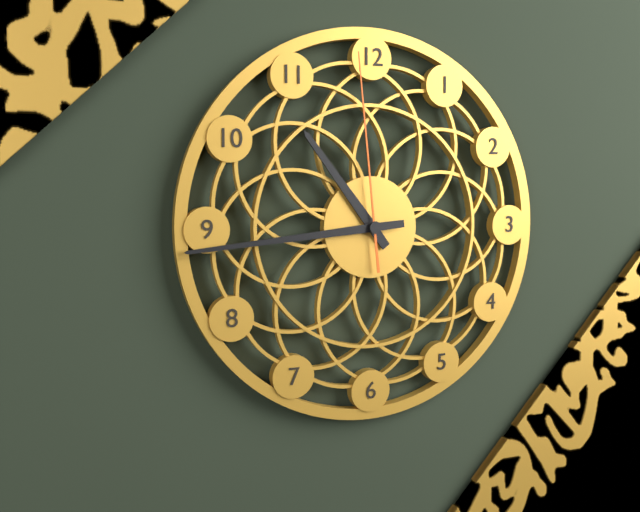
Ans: 10:44:59
